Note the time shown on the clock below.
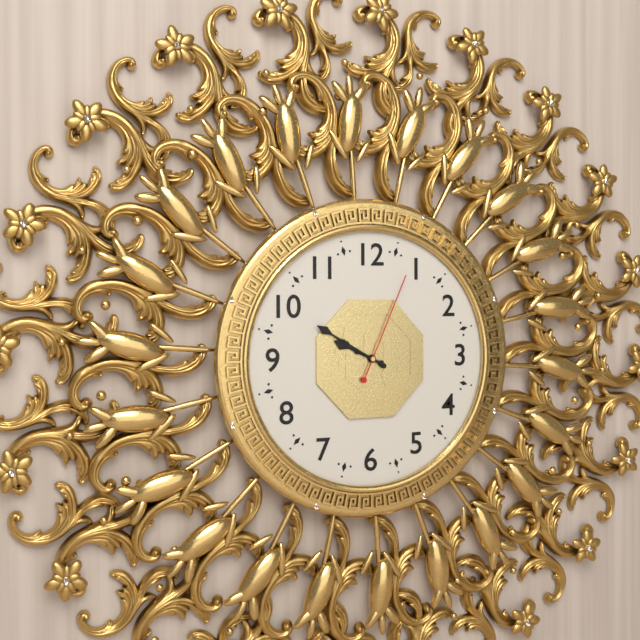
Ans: 9:50:04
